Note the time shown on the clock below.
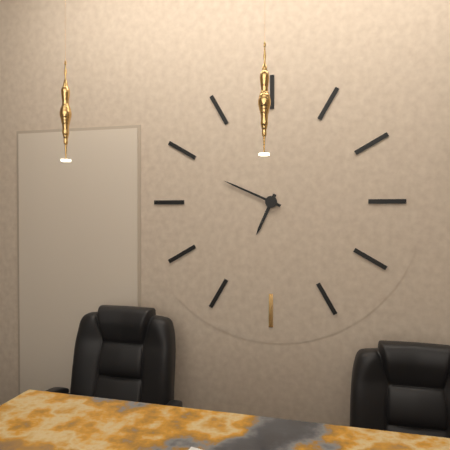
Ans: 6:49
